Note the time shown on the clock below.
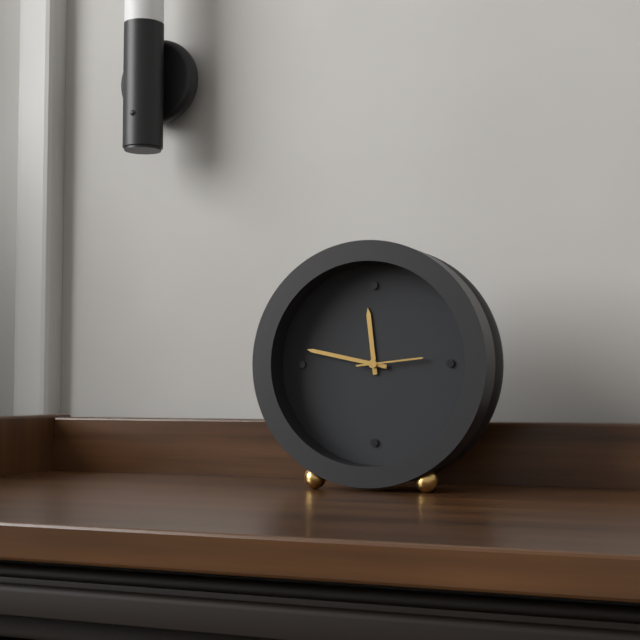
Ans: 11:47:14
